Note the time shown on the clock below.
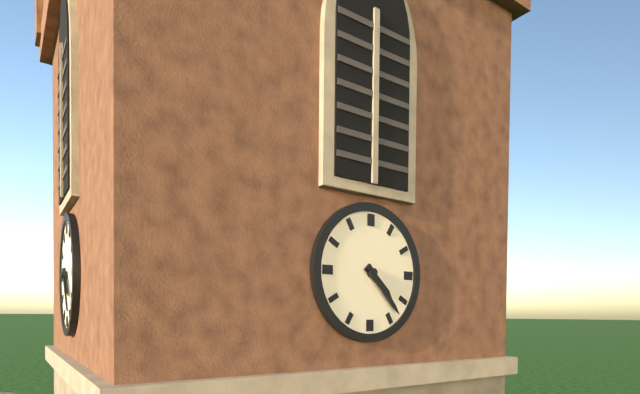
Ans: 4:23
